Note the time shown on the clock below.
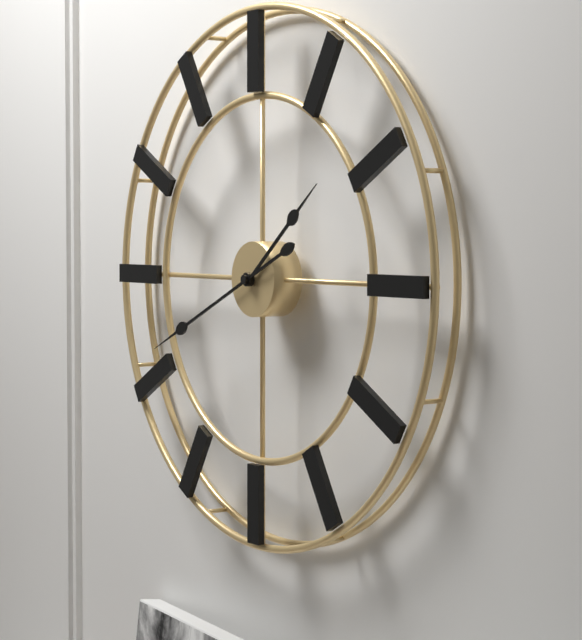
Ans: 1:41
